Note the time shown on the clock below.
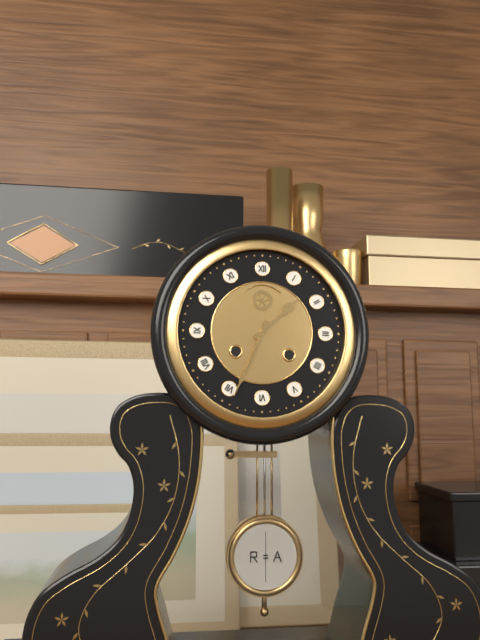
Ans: 1:34
